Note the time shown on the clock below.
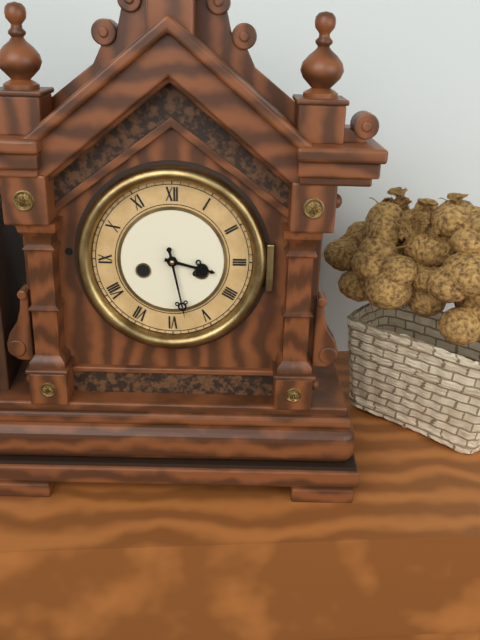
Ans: 3:28
